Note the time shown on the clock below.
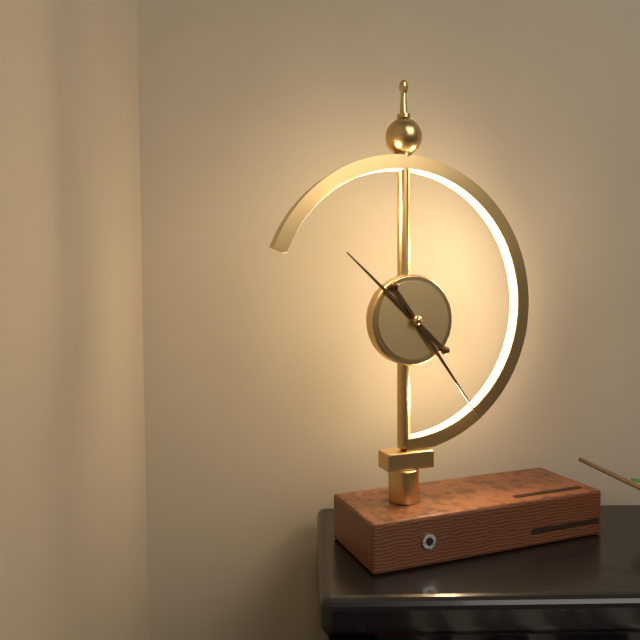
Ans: 10:24
